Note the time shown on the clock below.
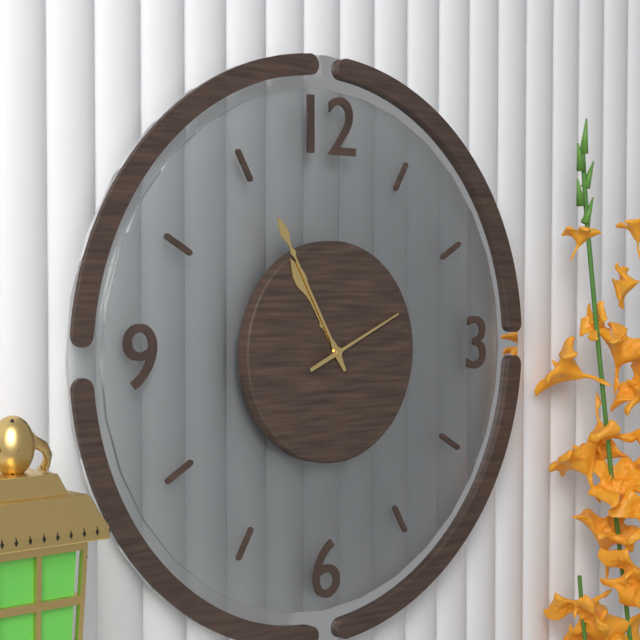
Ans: 10:55:11
